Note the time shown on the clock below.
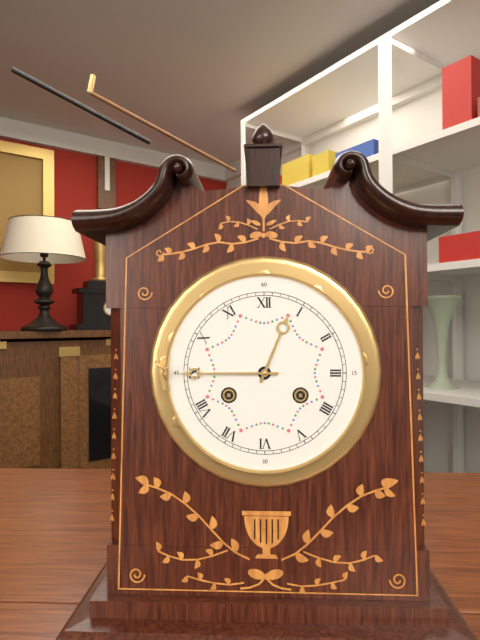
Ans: 12:45
